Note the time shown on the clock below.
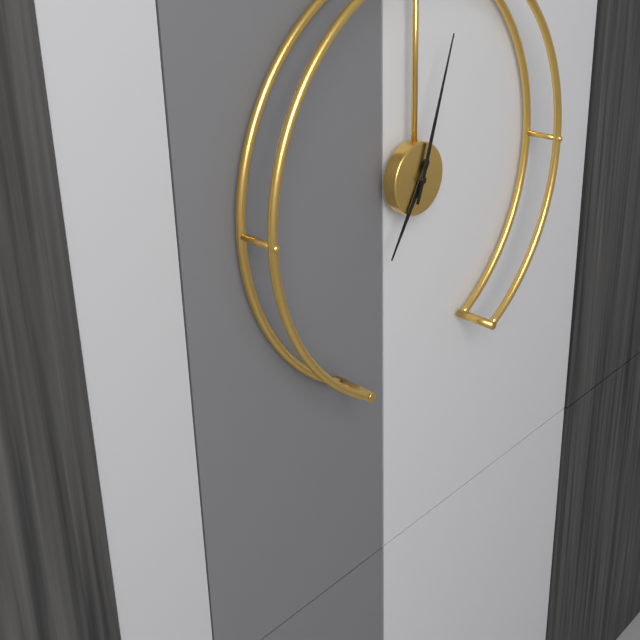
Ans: 7:03
